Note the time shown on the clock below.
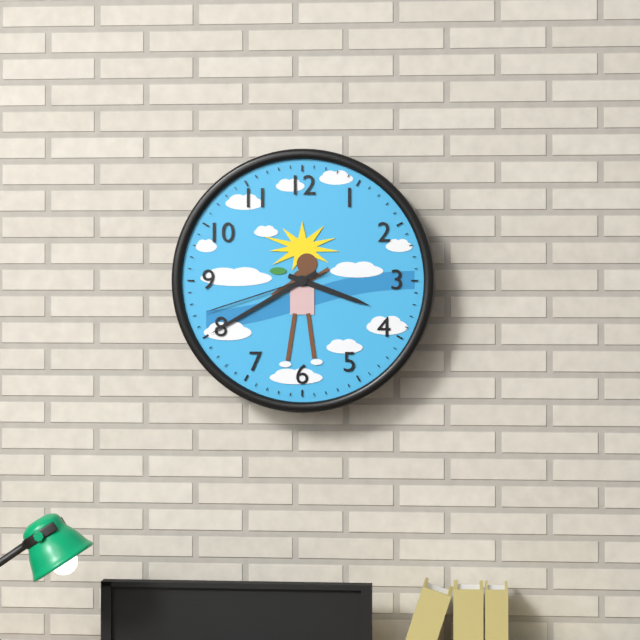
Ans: 3:40:42
